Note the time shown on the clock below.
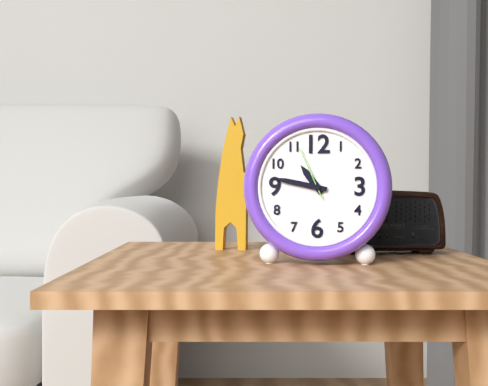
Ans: 10:47:56
